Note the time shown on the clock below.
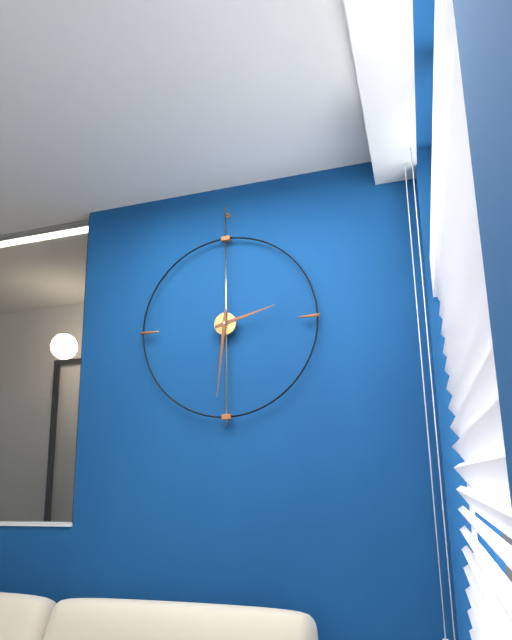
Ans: 2:31
